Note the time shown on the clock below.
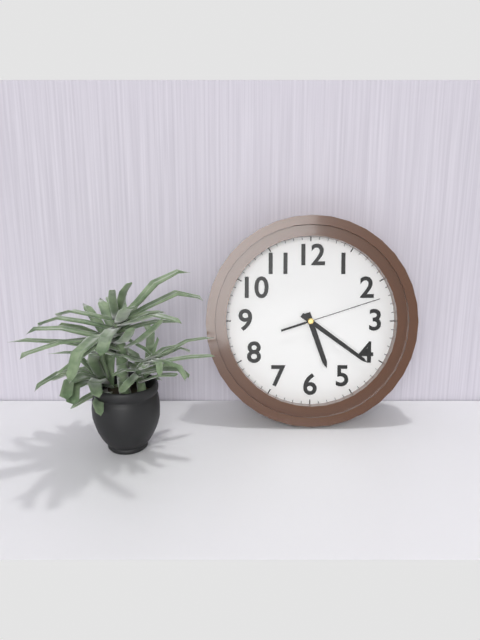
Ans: 5:21:12
